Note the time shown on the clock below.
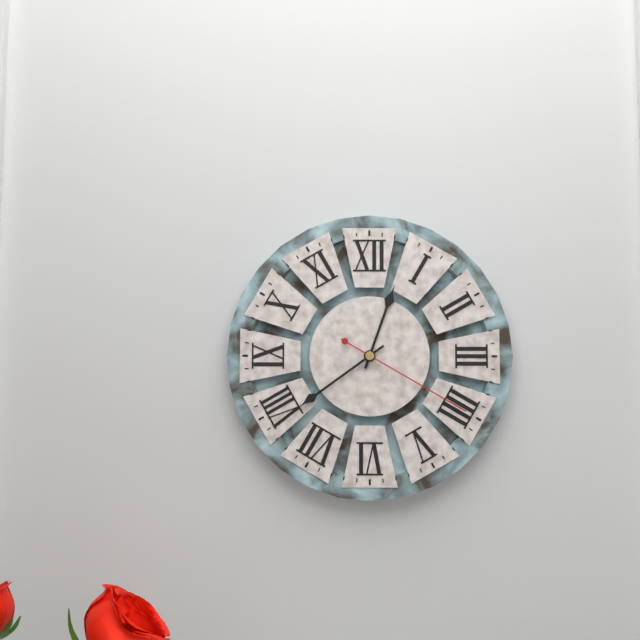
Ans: 12:39:20
